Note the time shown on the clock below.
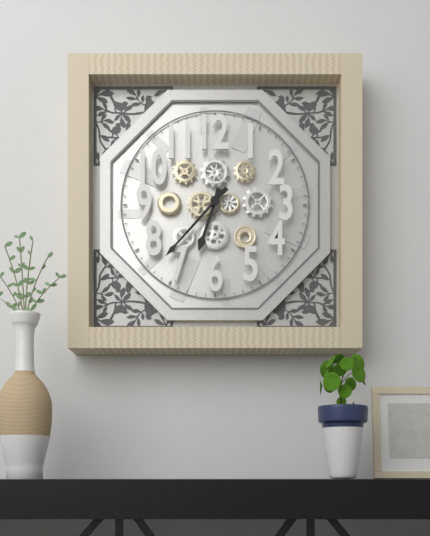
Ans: 6:37
